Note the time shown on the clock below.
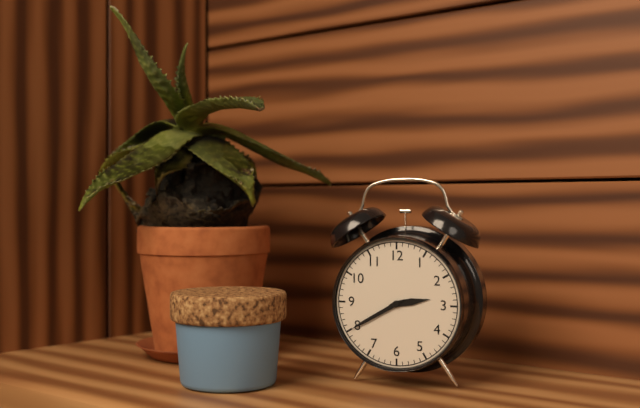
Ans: 2:40
